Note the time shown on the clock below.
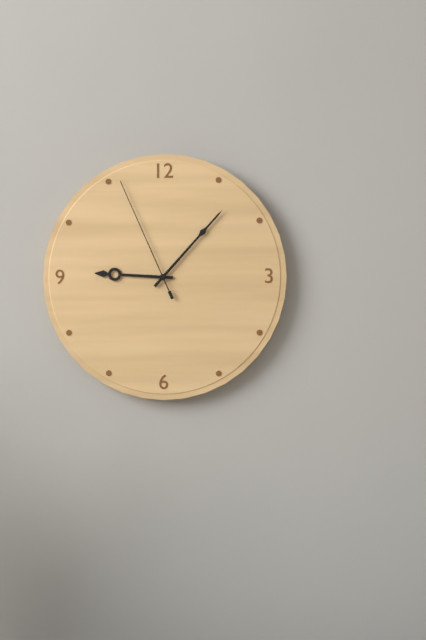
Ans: 9:07:56
